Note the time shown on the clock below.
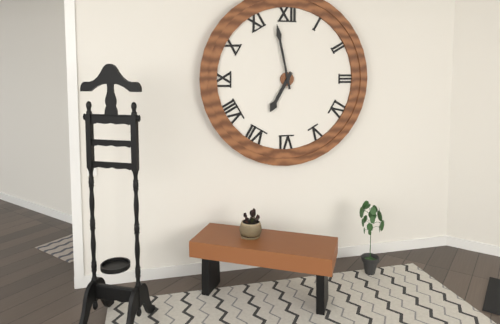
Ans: 6:58
